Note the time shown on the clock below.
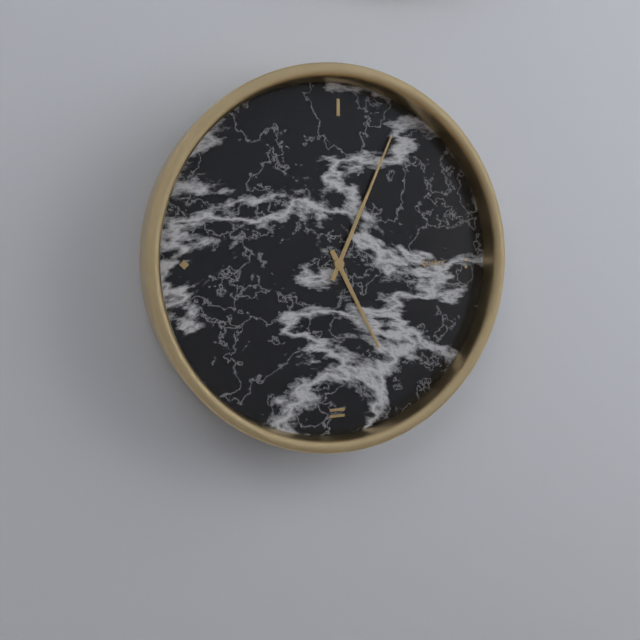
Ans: 5:04
